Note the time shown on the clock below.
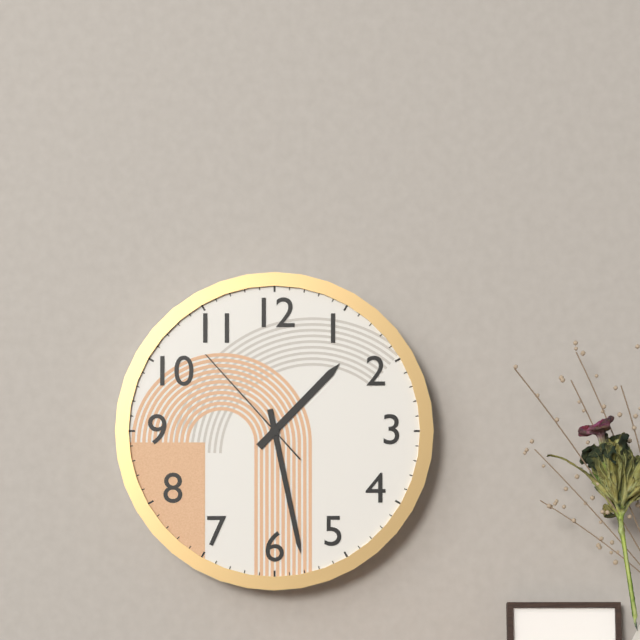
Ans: 1:28:53
